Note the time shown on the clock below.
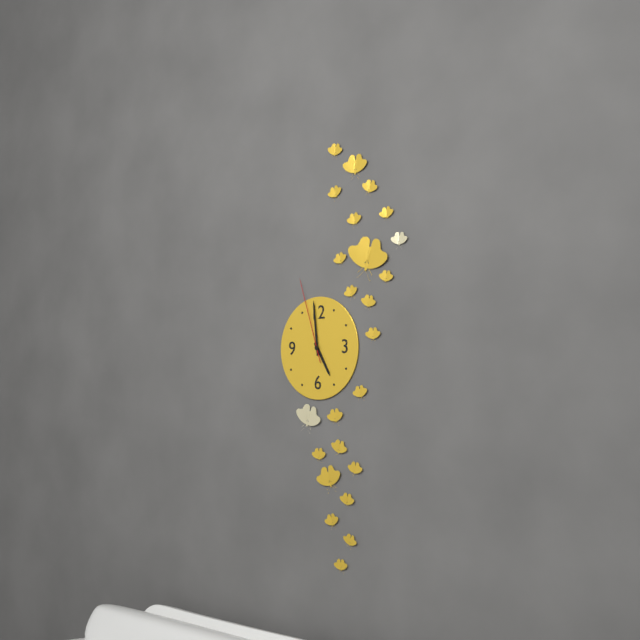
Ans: 4:59:57
